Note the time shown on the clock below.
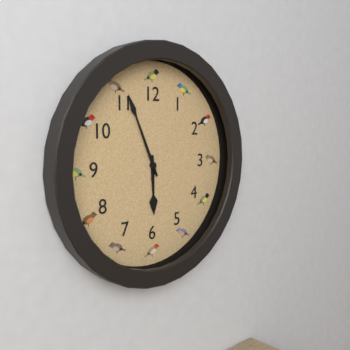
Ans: 5:56
